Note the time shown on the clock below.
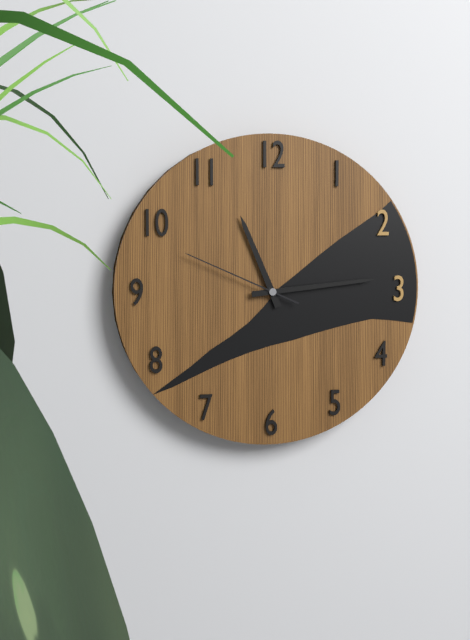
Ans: 11:14:49
